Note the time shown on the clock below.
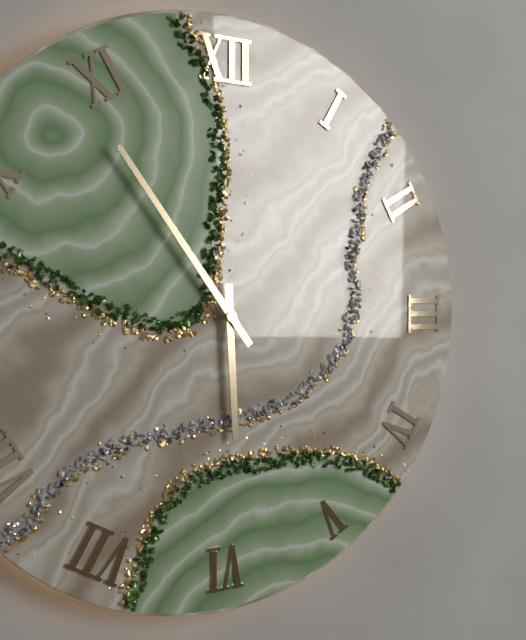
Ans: 5:54
